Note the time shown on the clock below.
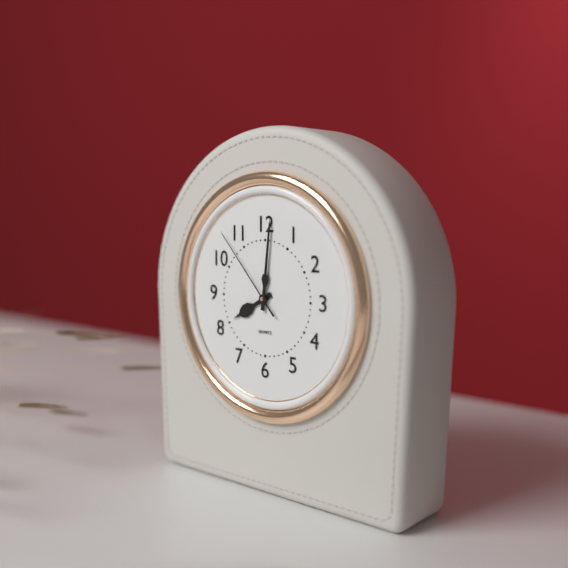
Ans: 8:01:53
